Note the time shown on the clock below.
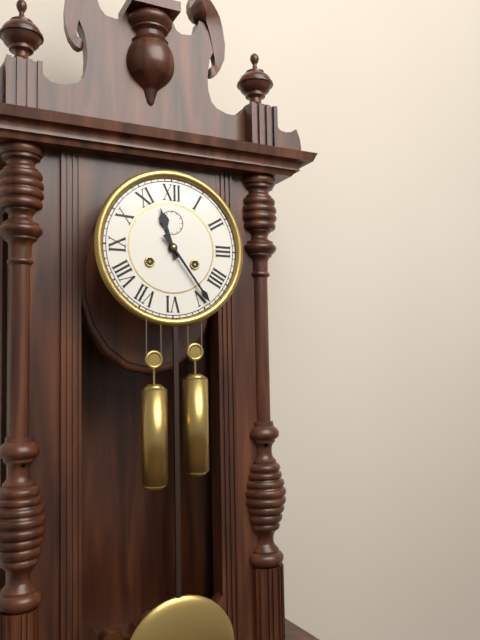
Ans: 11:24
